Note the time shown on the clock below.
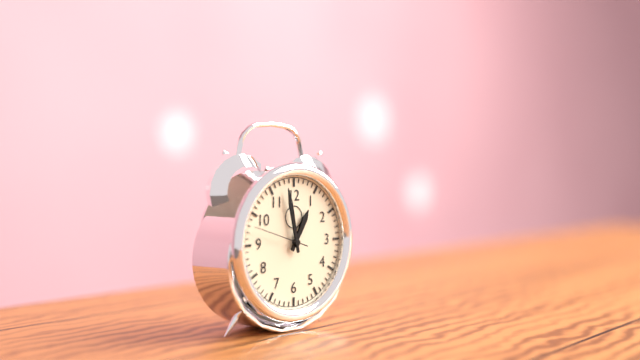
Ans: 12:58:48
